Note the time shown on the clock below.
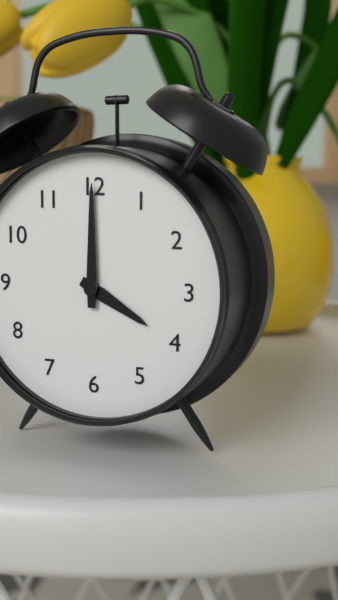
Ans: 4:00
